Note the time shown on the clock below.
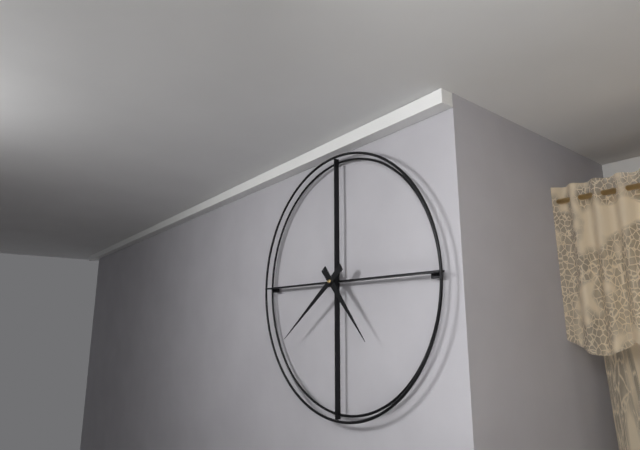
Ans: 4:39
